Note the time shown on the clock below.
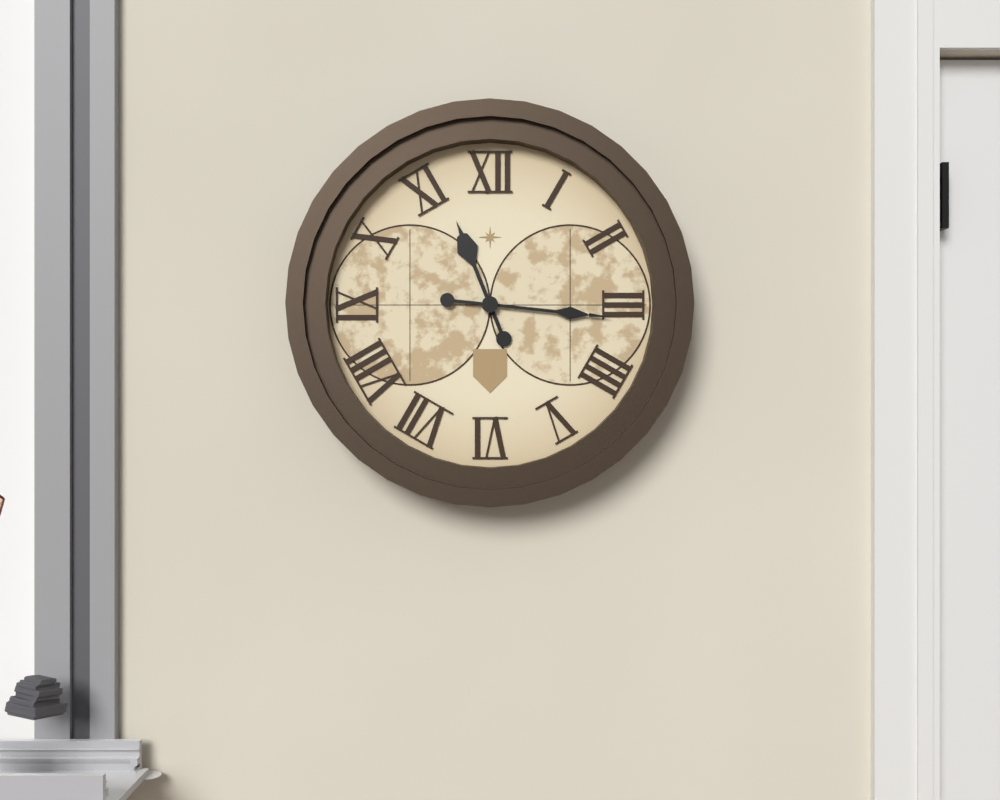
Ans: 11:16
